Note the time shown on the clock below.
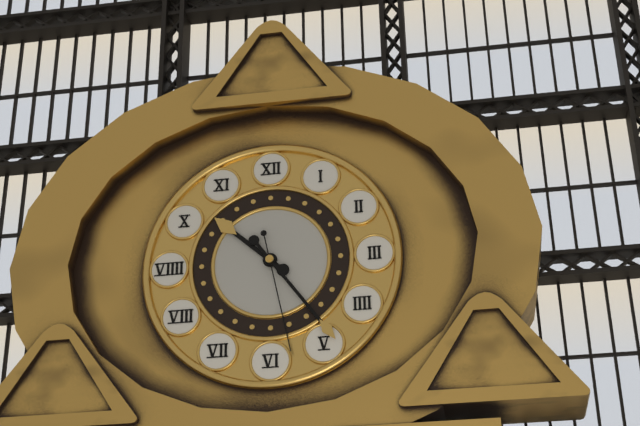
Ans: 10:24:28
